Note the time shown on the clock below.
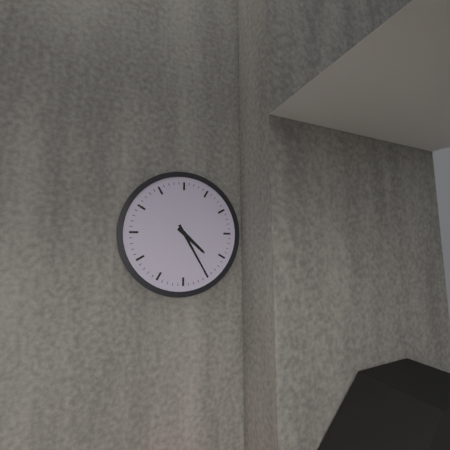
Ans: 4:25
